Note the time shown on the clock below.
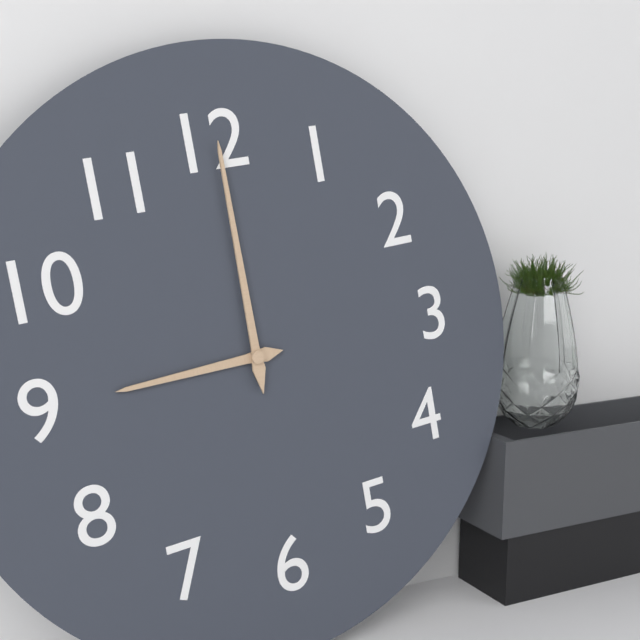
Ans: 9:00
